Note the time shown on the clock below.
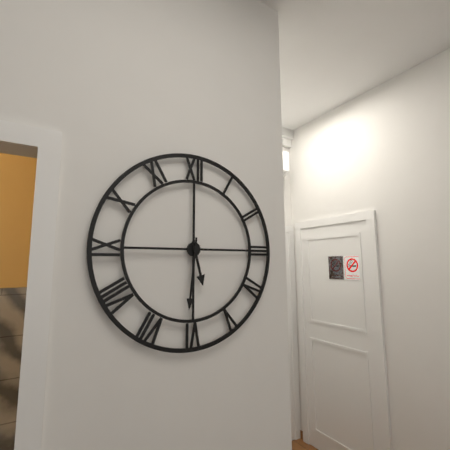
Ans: 5:31
